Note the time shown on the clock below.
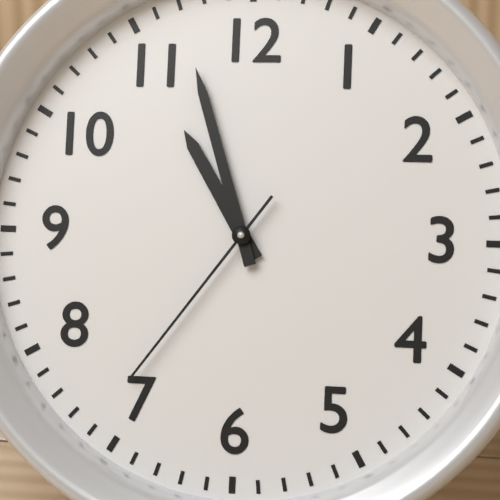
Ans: 10:57:36
